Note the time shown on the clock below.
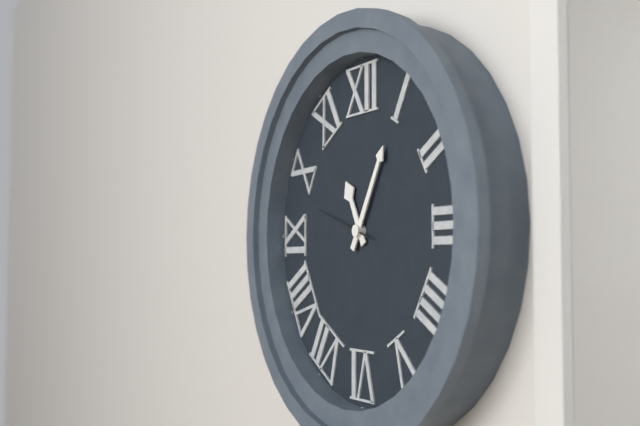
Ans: 11:05:48
